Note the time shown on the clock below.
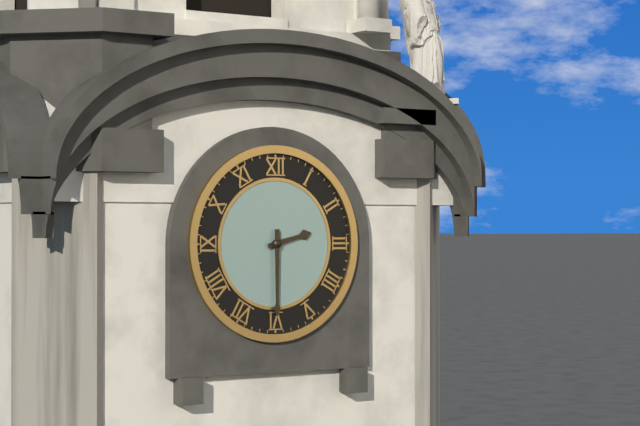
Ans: 2:30
